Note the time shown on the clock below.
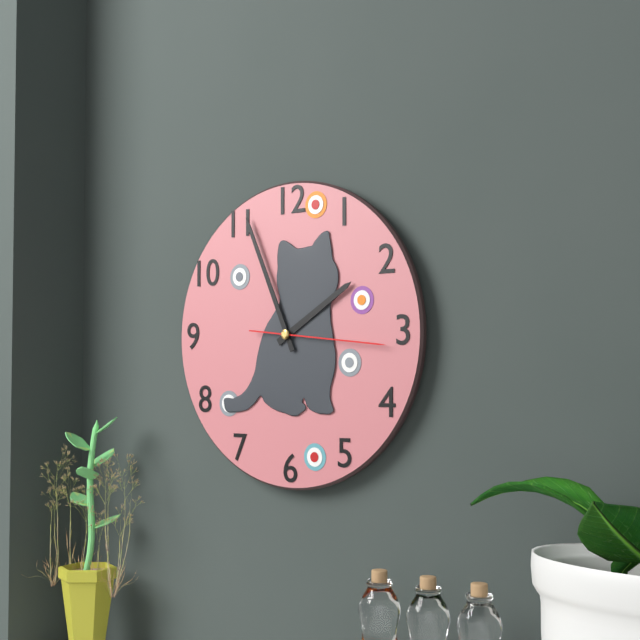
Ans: 1:56:16
